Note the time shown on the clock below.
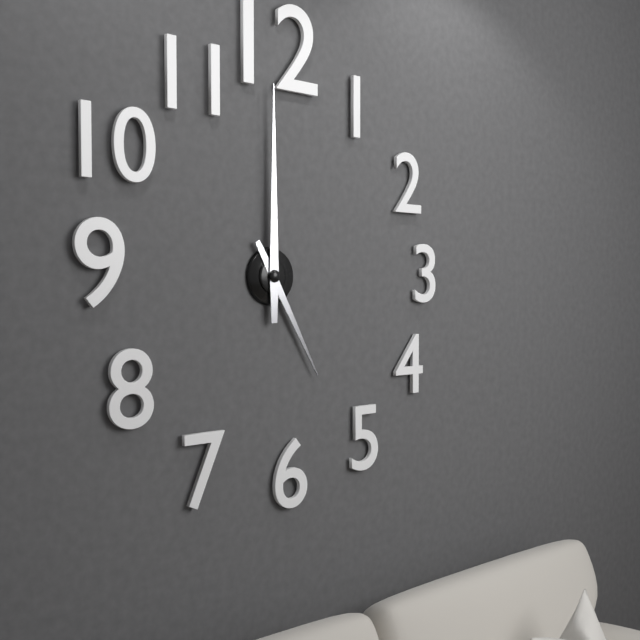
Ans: 5:00
